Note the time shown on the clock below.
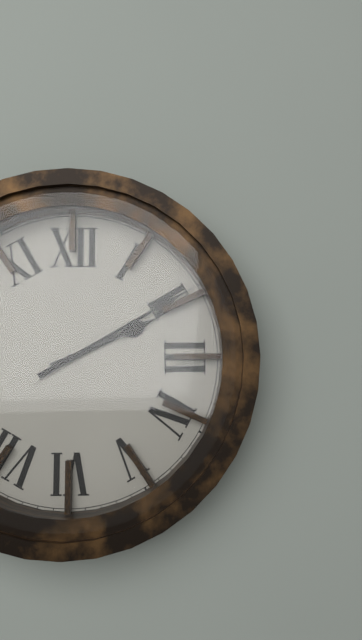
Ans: 2:10
